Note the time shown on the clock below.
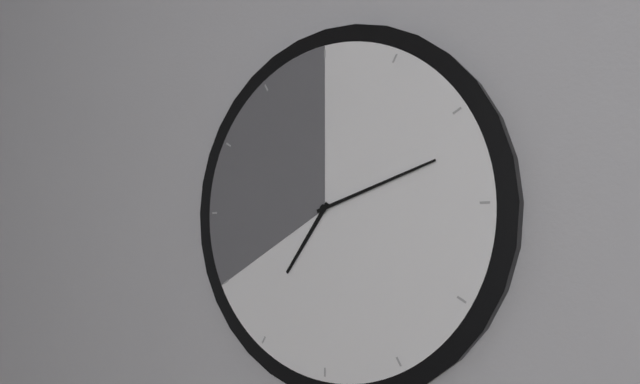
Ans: 7:12
